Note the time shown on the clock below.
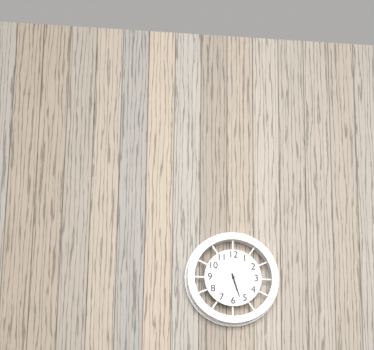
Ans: 5:27
